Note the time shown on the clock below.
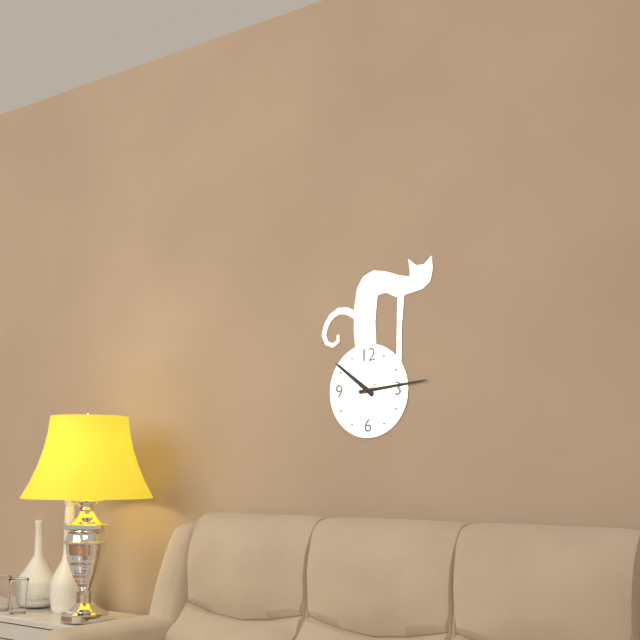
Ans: 10:14:40
